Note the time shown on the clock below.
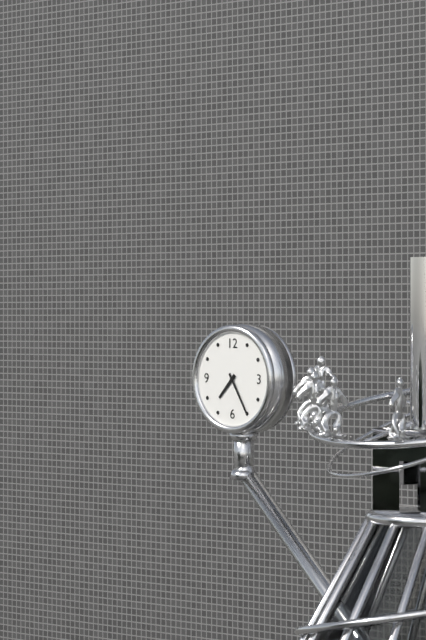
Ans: 7:25
